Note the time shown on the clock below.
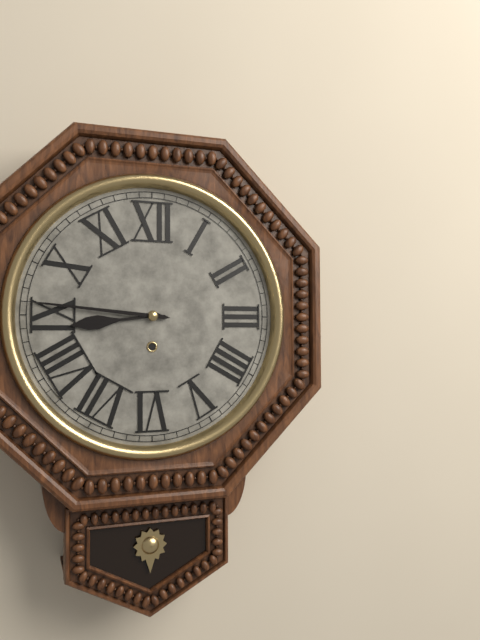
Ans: 8:46
